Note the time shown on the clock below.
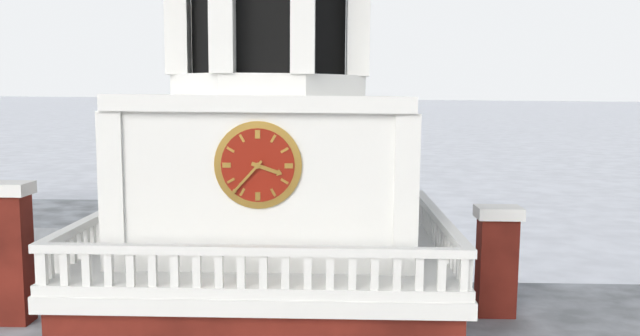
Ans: 3:37
